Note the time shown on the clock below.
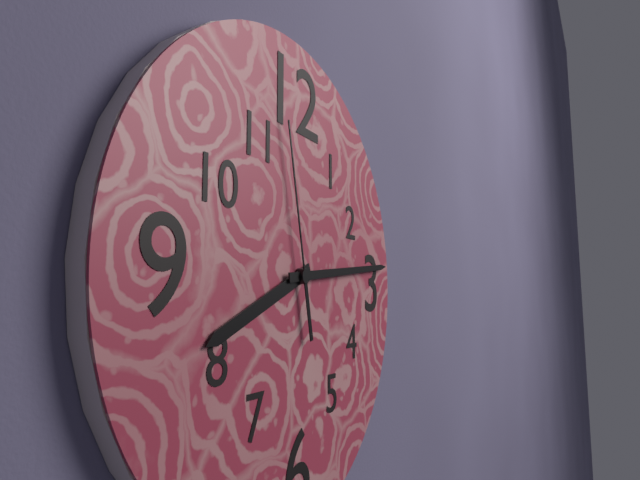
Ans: 8:14:58
